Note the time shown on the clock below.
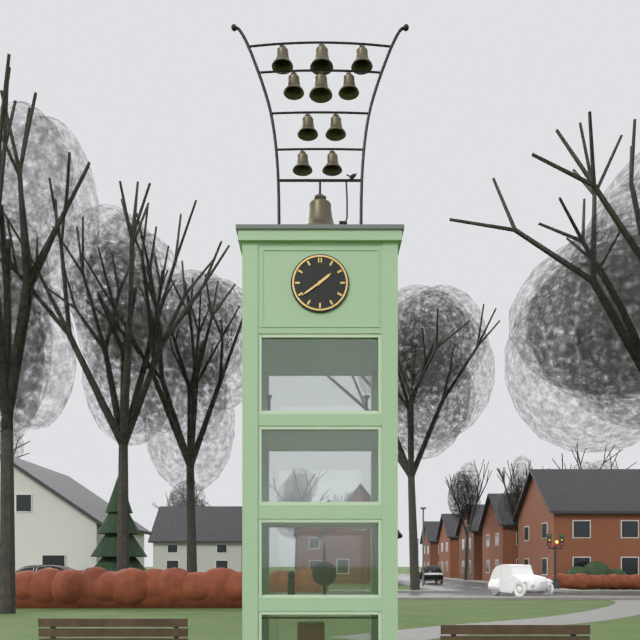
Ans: 1:39
